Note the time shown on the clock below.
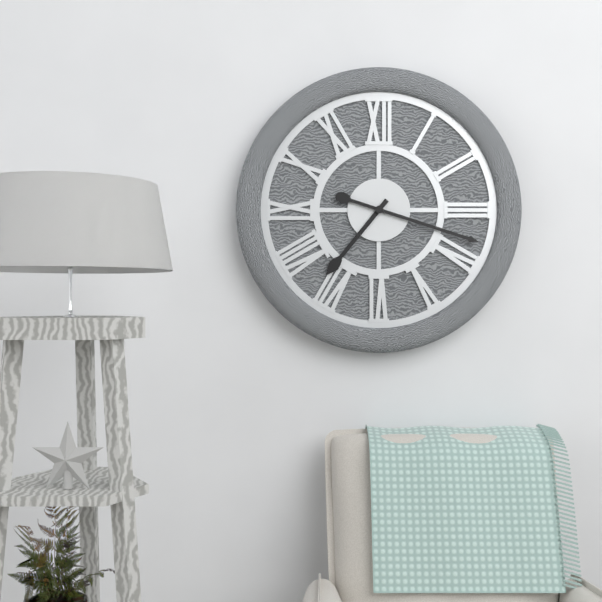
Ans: 7:18
